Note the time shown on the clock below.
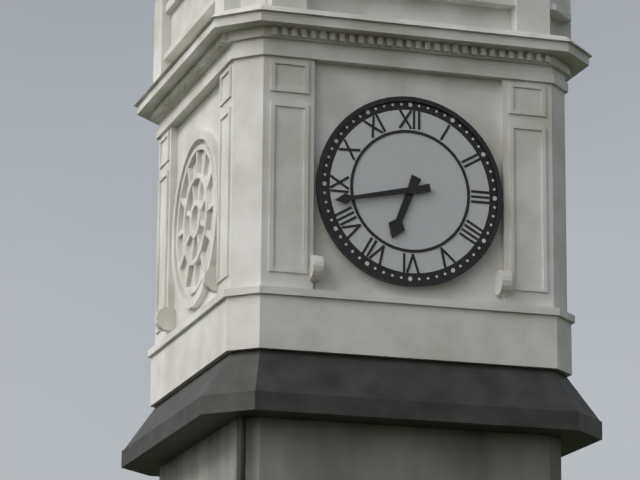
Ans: 6:43
